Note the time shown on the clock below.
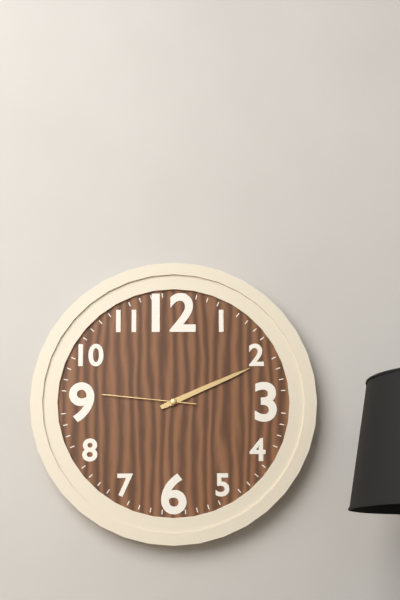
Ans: 2:11:46
